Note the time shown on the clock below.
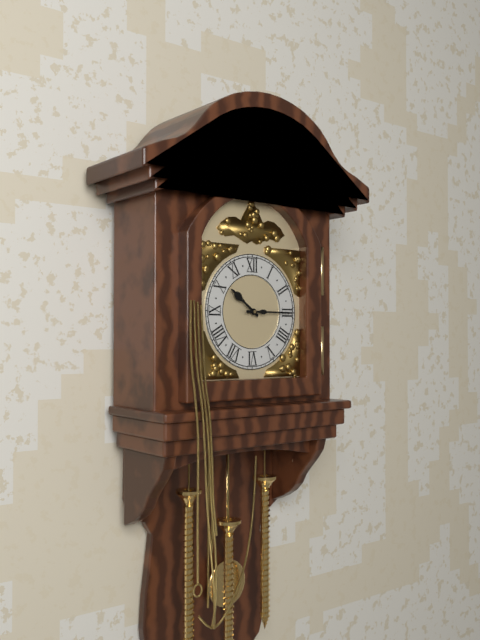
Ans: 10:15
